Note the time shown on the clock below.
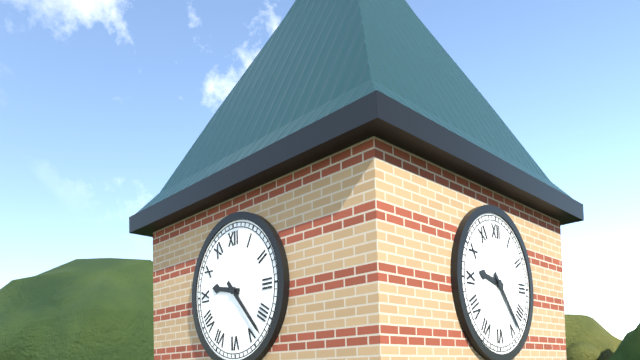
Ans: 9:23
